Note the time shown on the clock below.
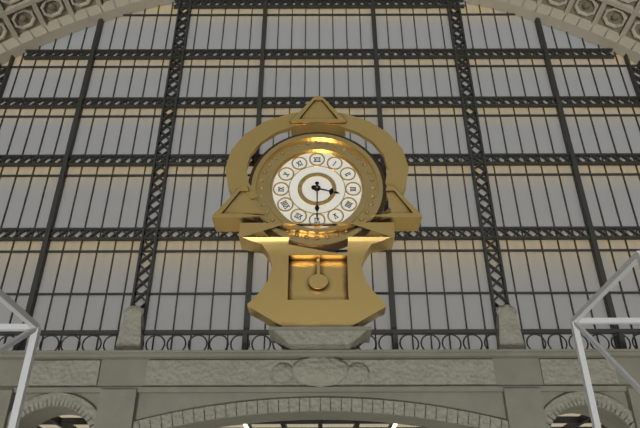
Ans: 3:30
